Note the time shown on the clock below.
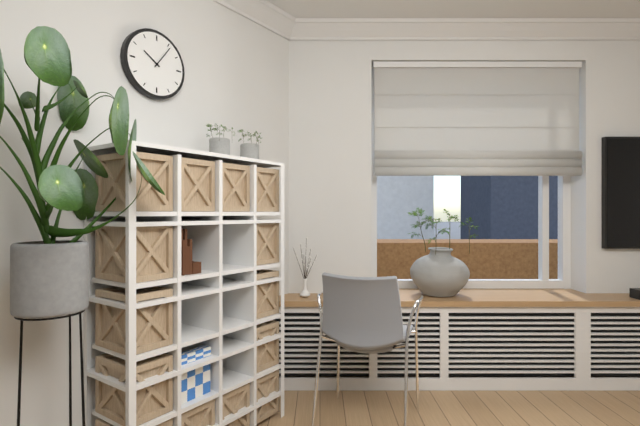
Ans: 10:06
